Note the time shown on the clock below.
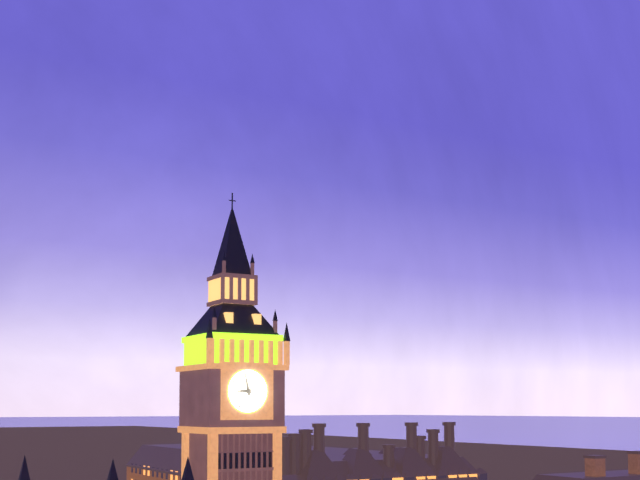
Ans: 8:58
